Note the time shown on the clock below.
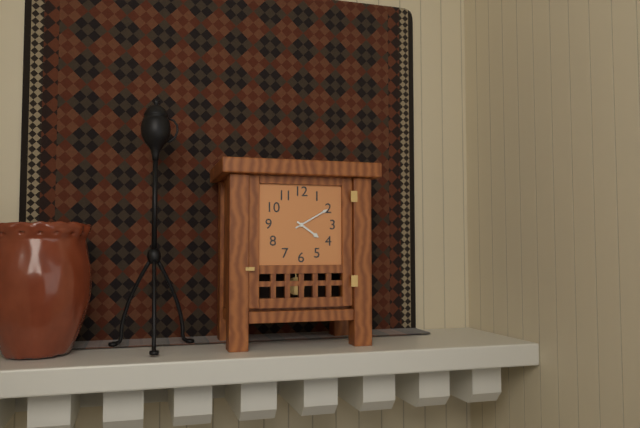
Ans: 4:10
